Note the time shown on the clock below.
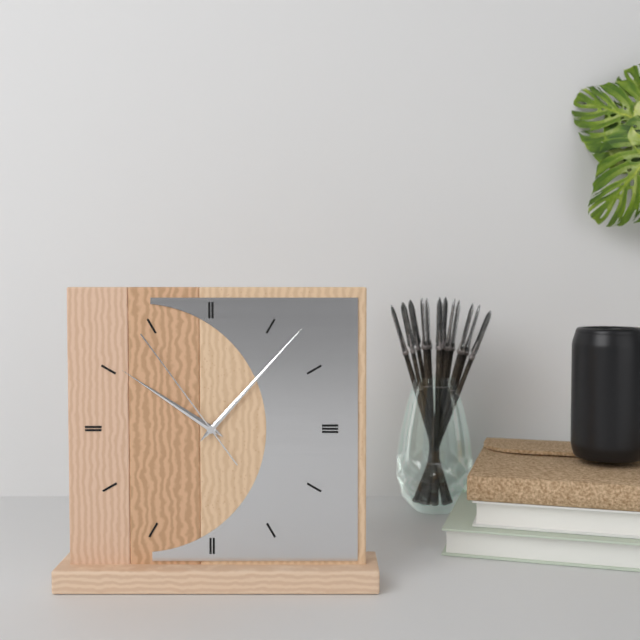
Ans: 10:07:54
